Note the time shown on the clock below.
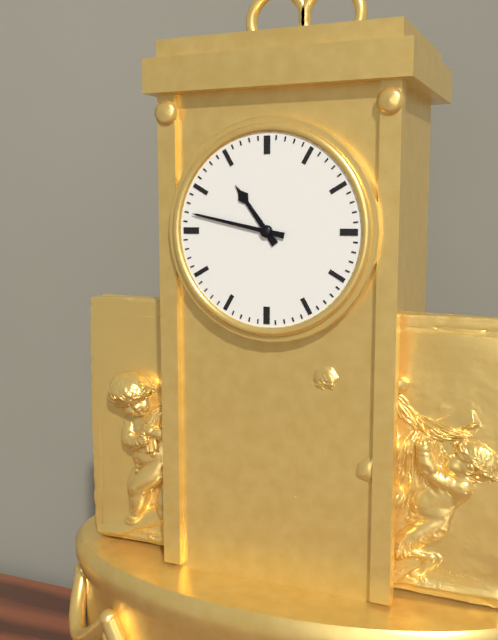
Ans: 10:47
